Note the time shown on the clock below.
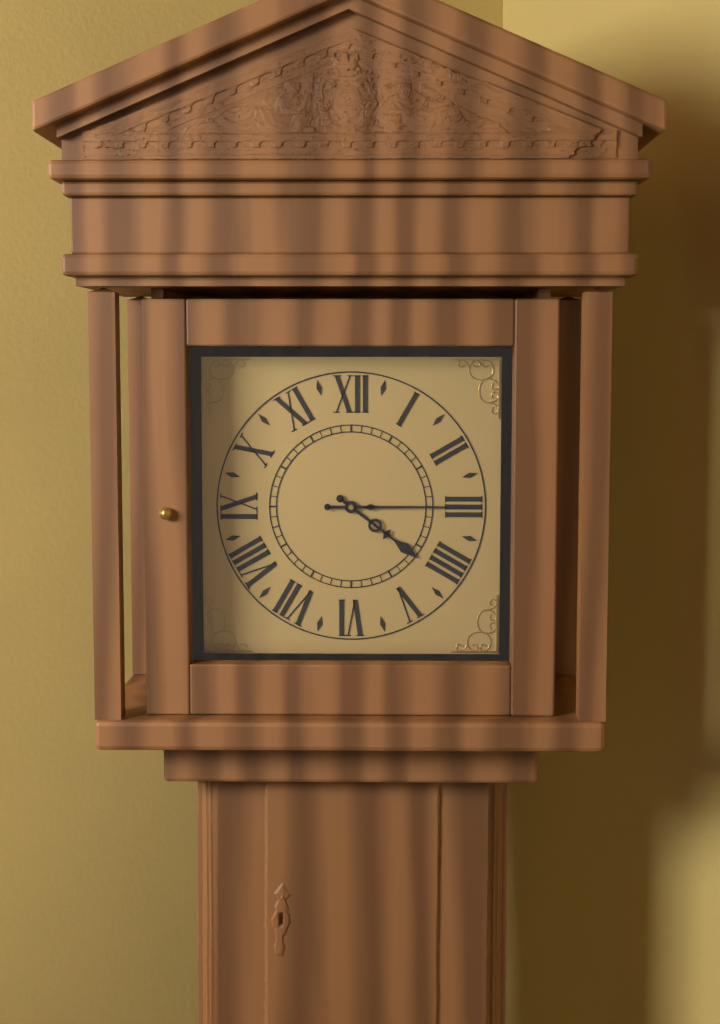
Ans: 4:15
